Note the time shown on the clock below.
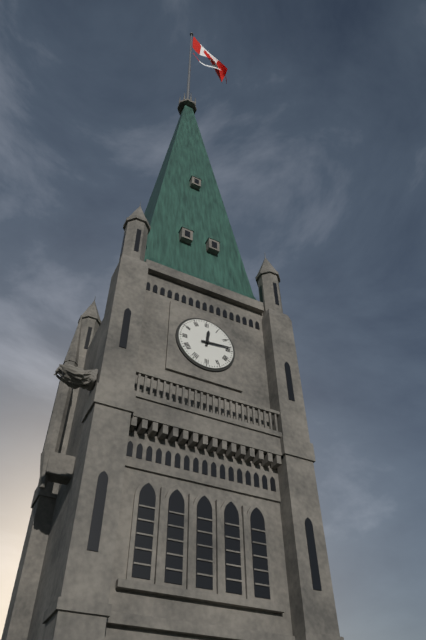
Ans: 12:14
